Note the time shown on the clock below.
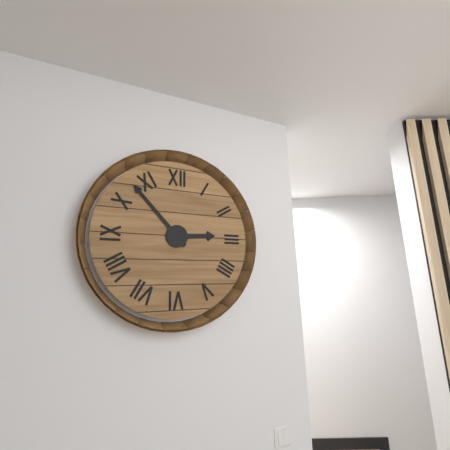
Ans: 2:53
